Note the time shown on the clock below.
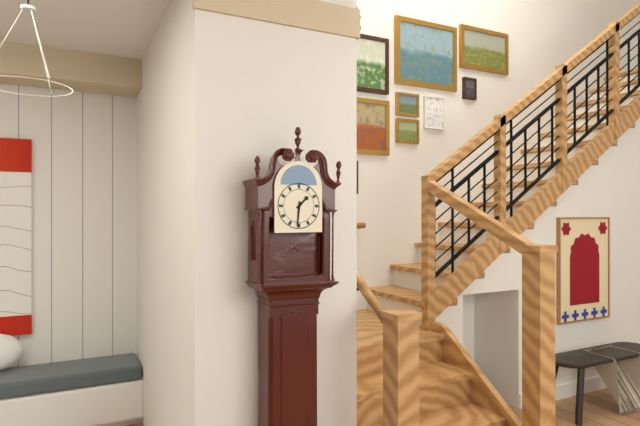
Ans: 1:31
